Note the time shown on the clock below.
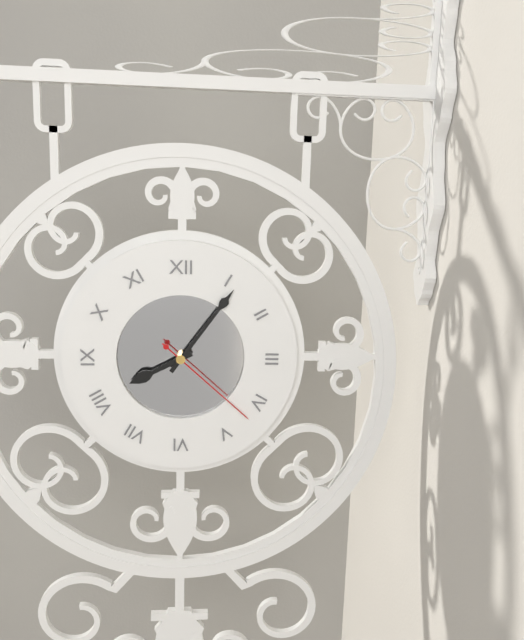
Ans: 8:06:22
